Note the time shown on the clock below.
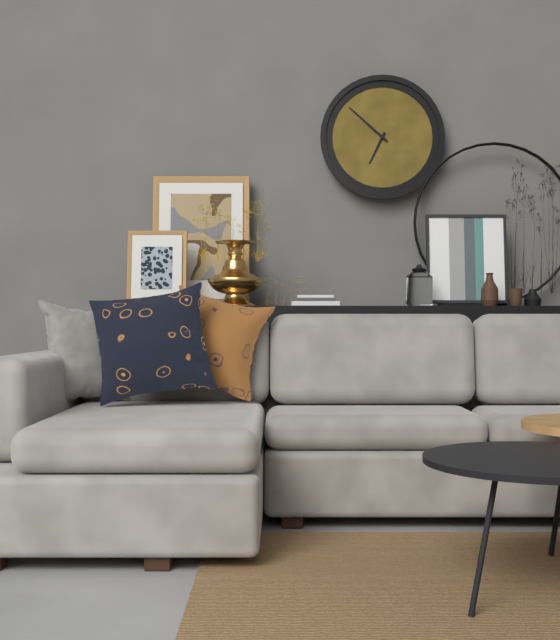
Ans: 6:52
